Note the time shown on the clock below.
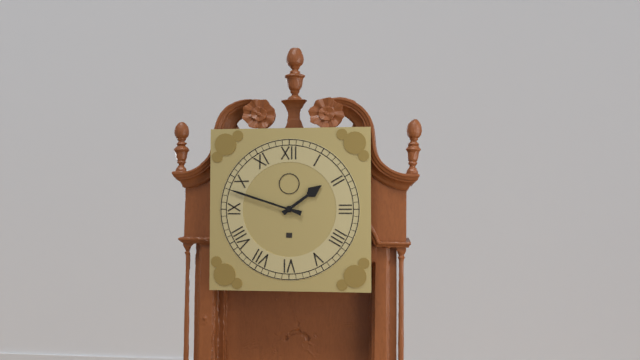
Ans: 1:48
